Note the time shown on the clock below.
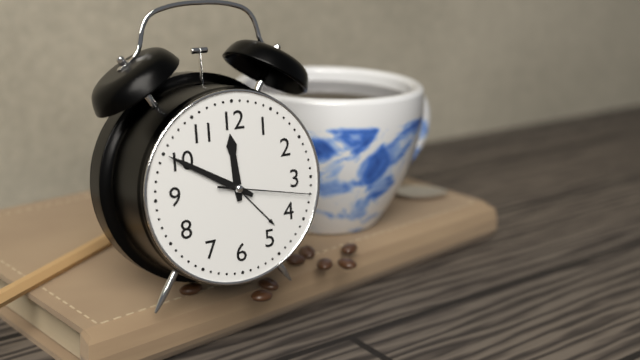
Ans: 11:50:17
